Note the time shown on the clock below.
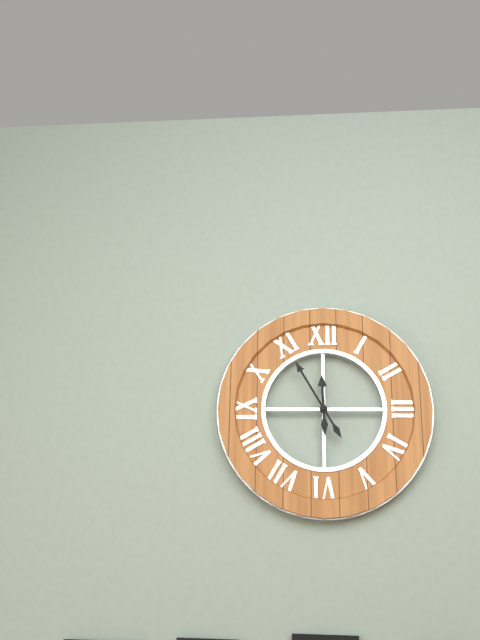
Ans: 11:55
